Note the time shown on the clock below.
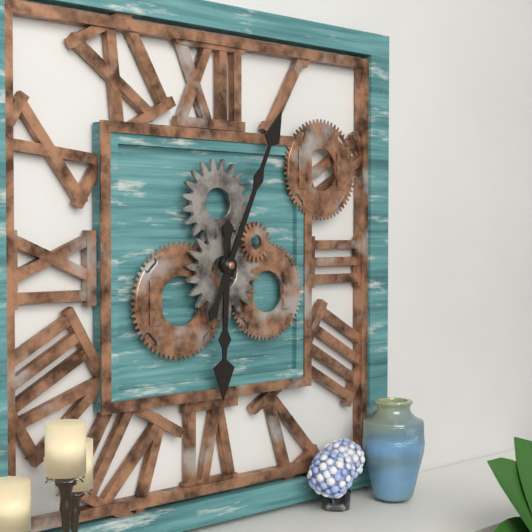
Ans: 6:04
